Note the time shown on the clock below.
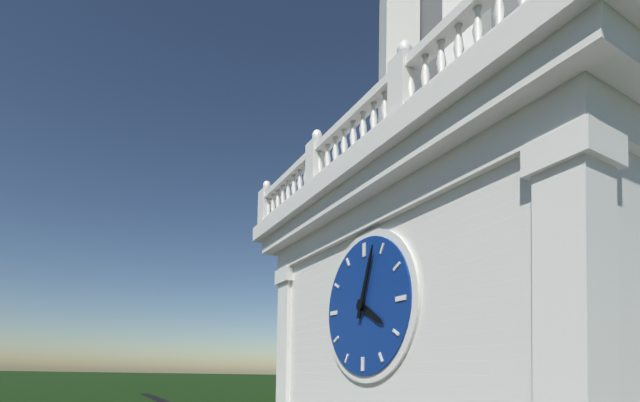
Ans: 4:03
